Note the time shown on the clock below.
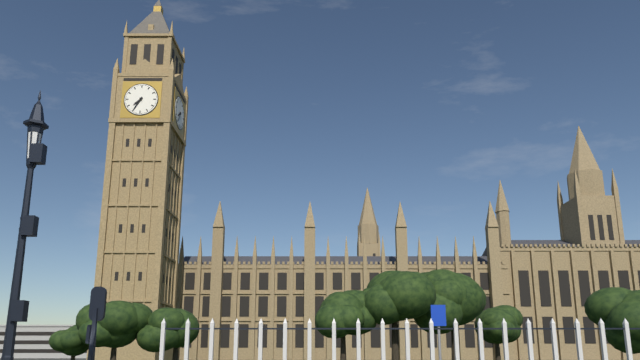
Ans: 7:35
